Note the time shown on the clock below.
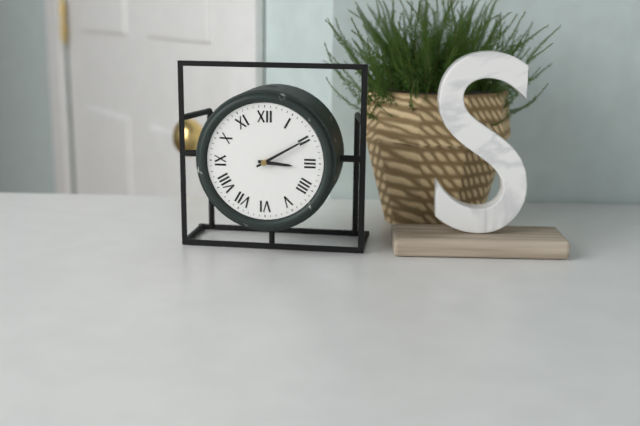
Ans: 3:10
